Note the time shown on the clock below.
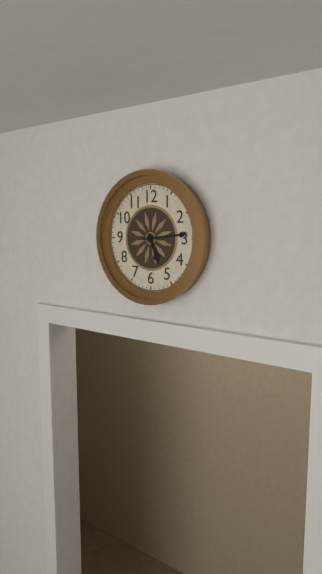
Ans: 5:14
